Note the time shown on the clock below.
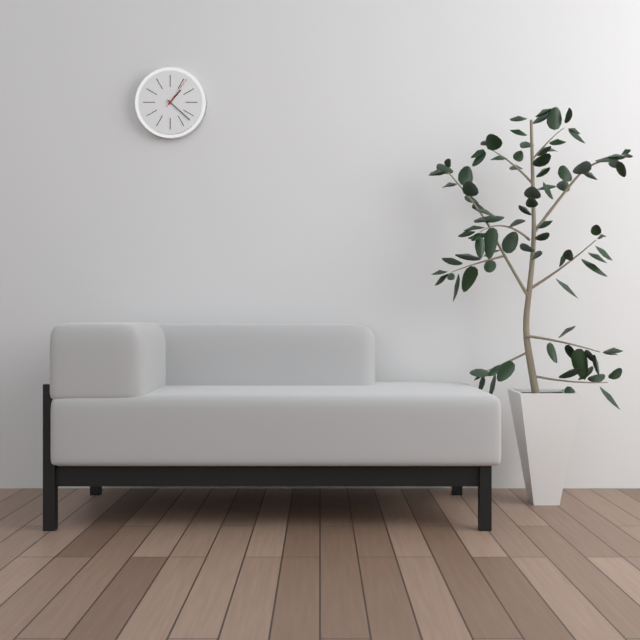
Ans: 1:22
